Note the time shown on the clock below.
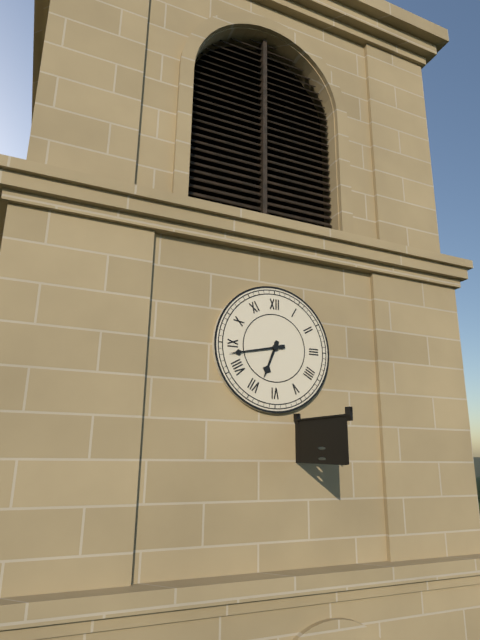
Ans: 6:43
